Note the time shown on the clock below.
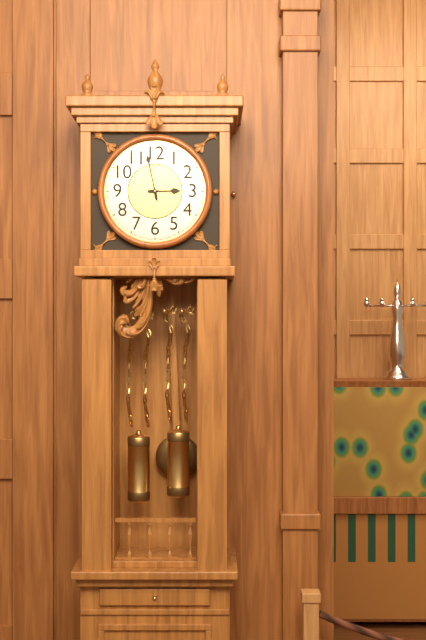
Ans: 2:58
